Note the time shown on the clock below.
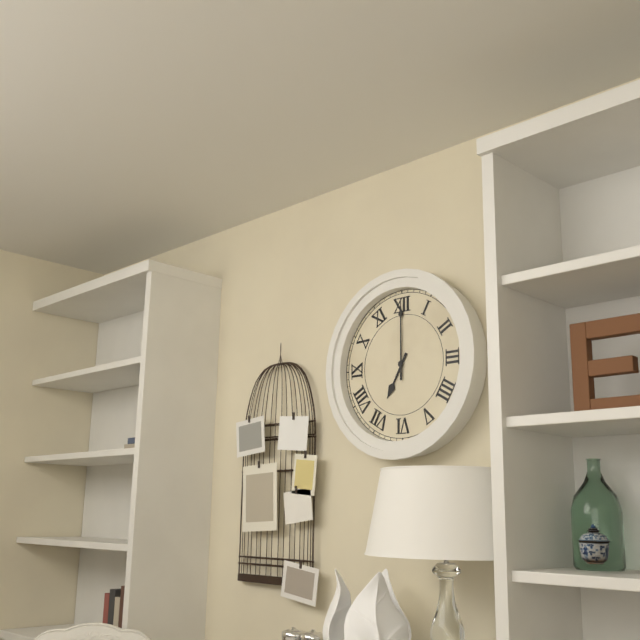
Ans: 7:00
